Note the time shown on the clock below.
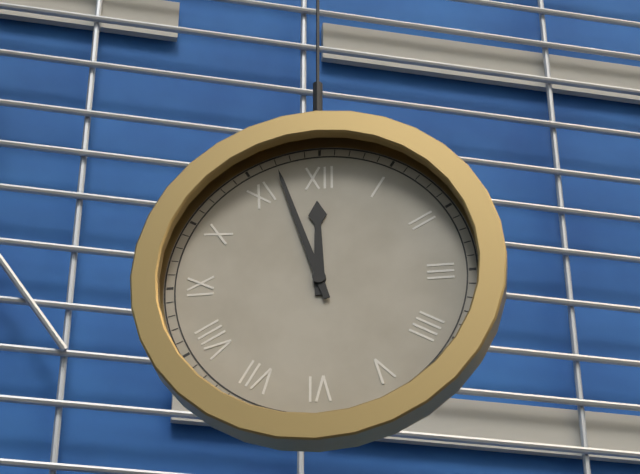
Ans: 11:57
